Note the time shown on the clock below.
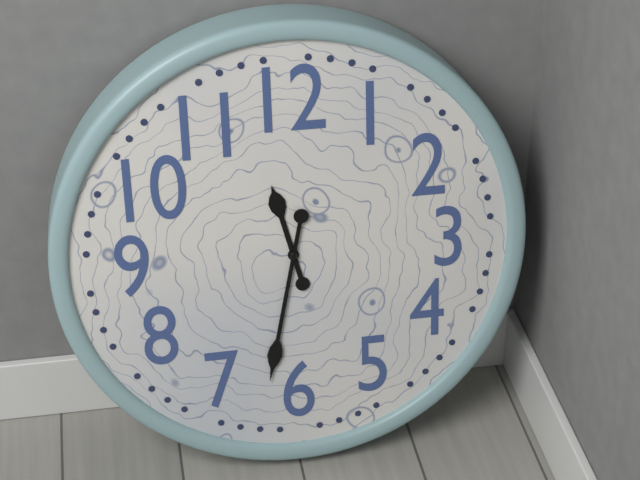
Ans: 11:32
